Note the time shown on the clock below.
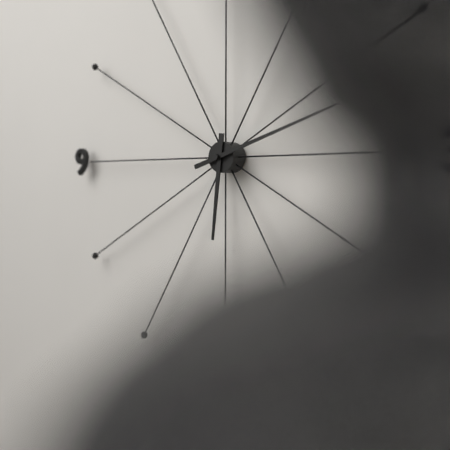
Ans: 6:12
